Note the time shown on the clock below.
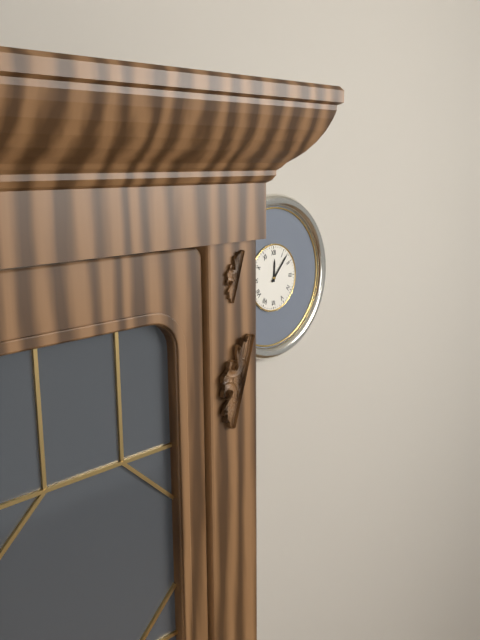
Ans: 12:07
